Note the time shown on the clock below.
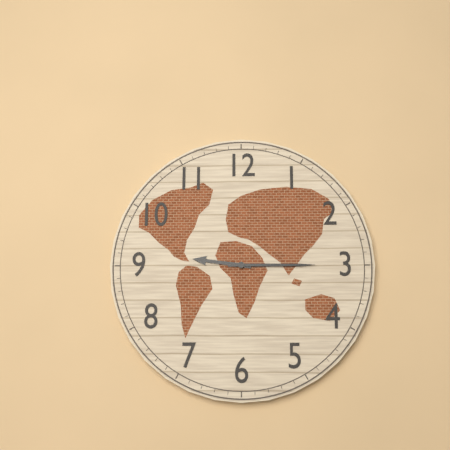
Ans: 9:15
